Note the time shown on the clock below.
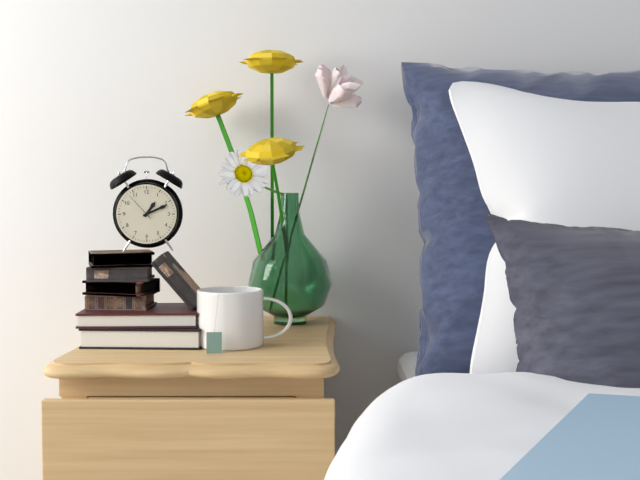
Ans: 1:11
